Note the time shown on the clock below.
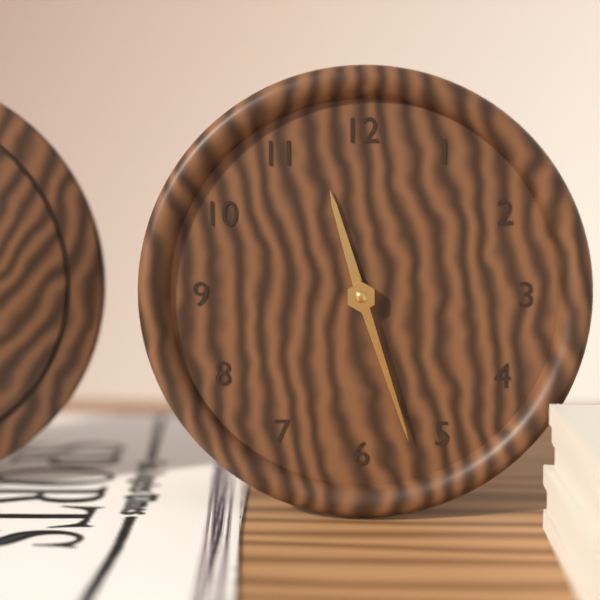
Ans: 11:27
